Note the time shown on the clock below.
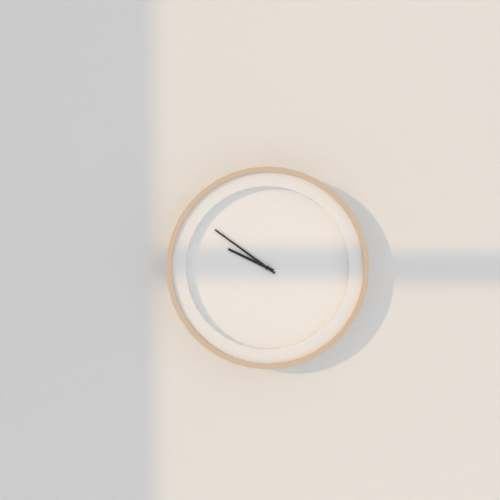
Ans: 9:51
